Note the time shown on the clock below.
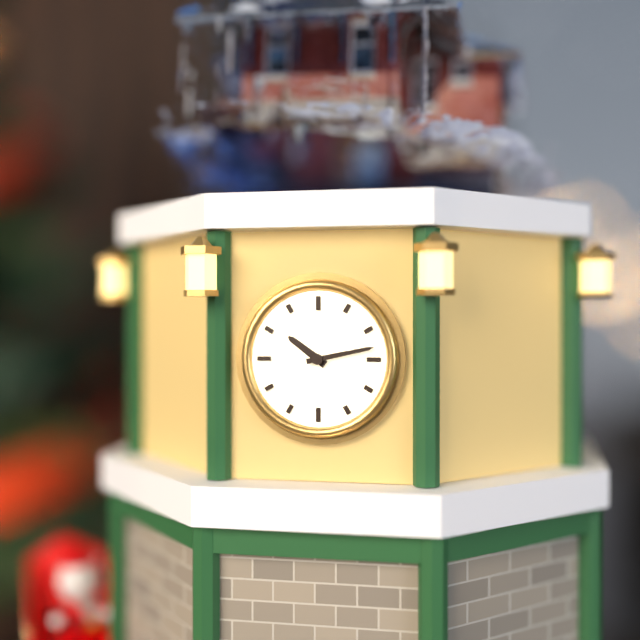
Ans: 10:13
